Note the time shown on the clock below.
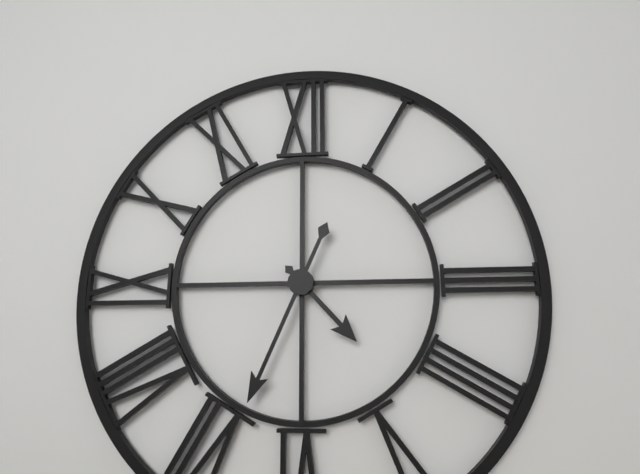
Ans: 4:34
